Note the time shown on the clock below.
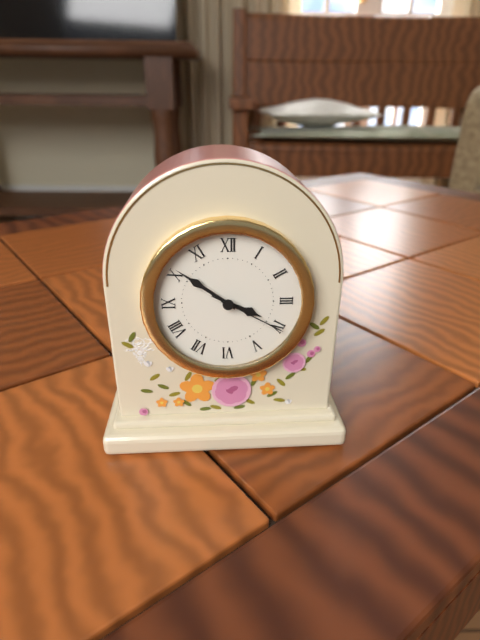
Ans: 3:51:20
